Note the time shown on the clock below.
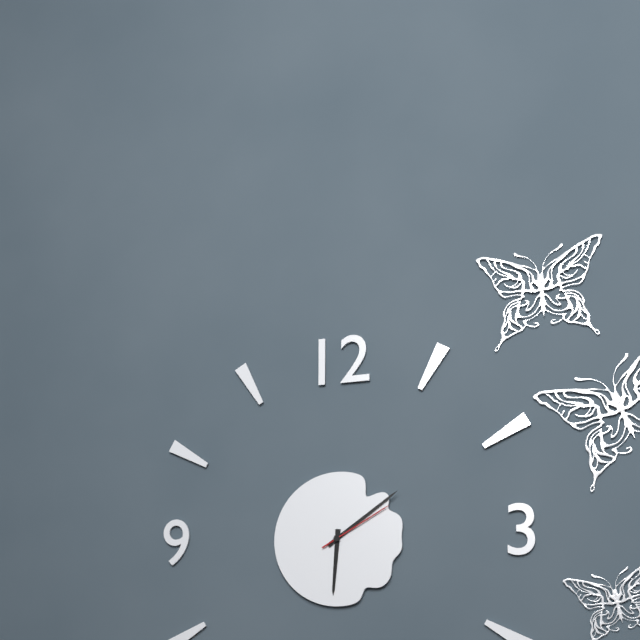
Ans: 6:09:10
